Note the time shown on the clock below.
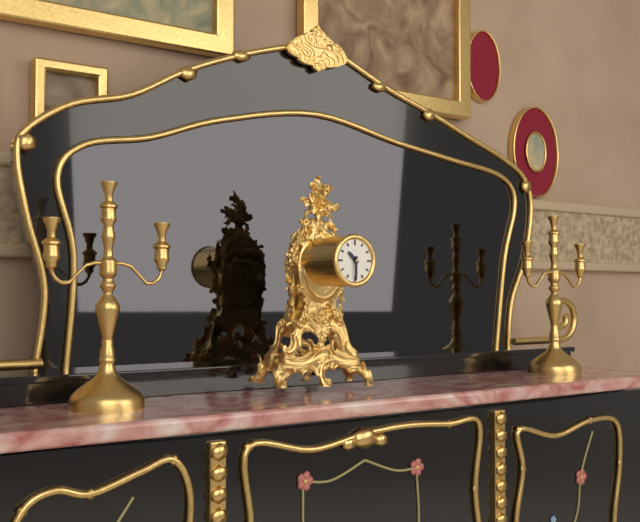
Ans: 10:30
